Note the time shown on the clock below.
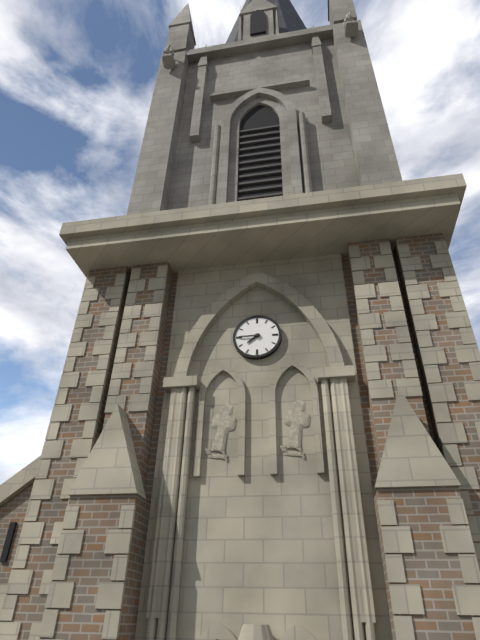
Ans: 7:45
